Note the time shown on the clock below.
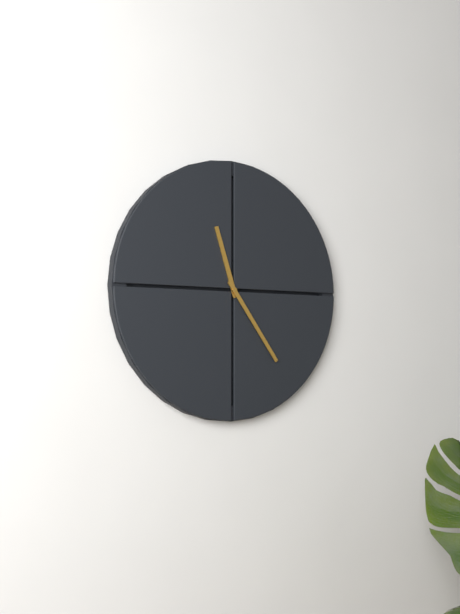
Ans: 11:24
